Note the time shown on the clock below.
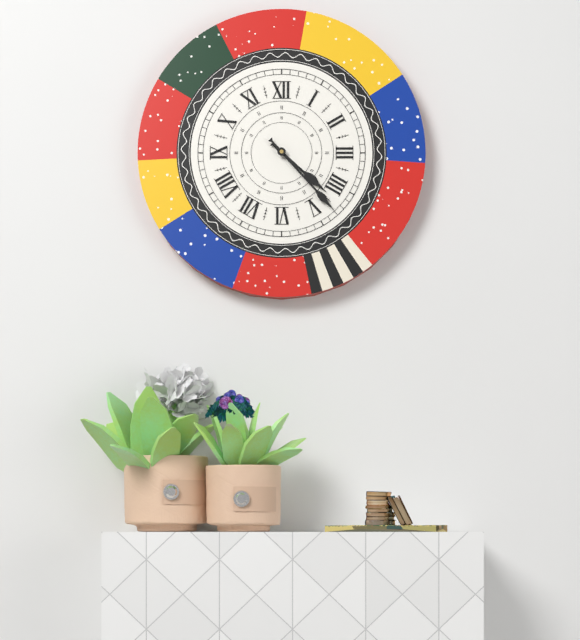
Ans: 4:23
